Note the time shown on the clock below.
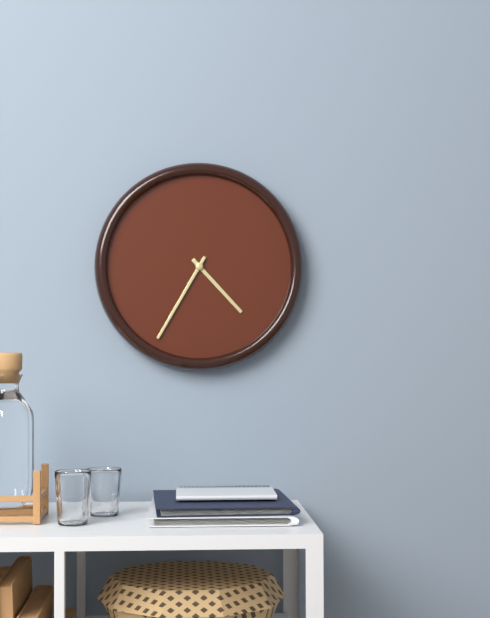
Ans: 4:35
